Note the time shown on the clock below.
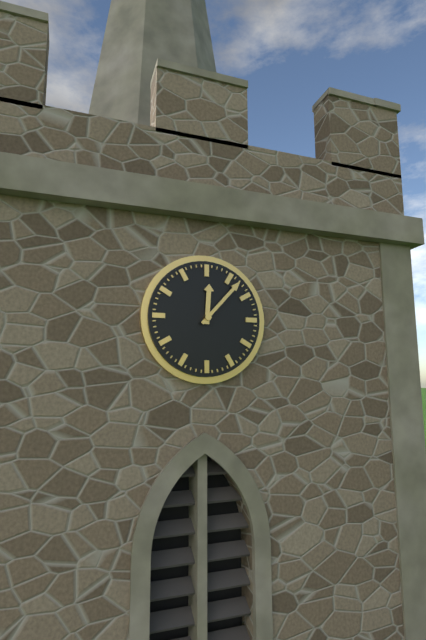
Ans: 12:07
